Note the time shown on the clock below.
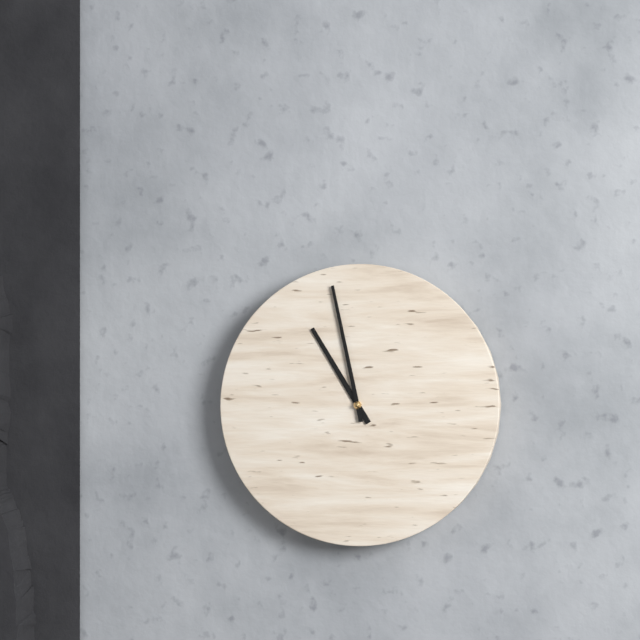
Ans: 10:58
